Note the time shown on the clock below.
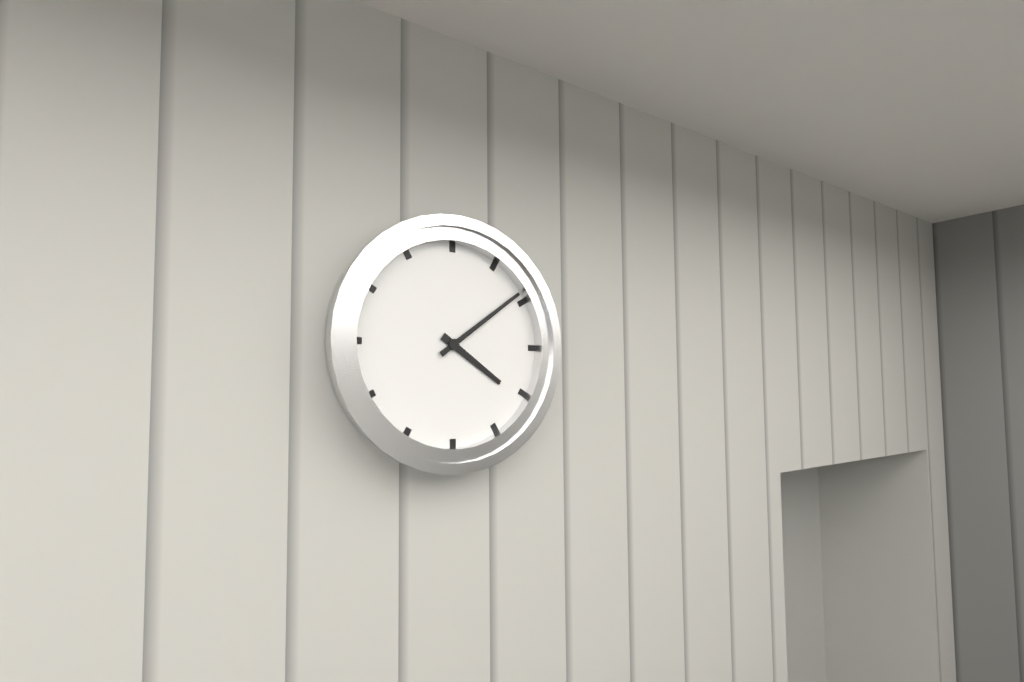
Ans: 4:09
